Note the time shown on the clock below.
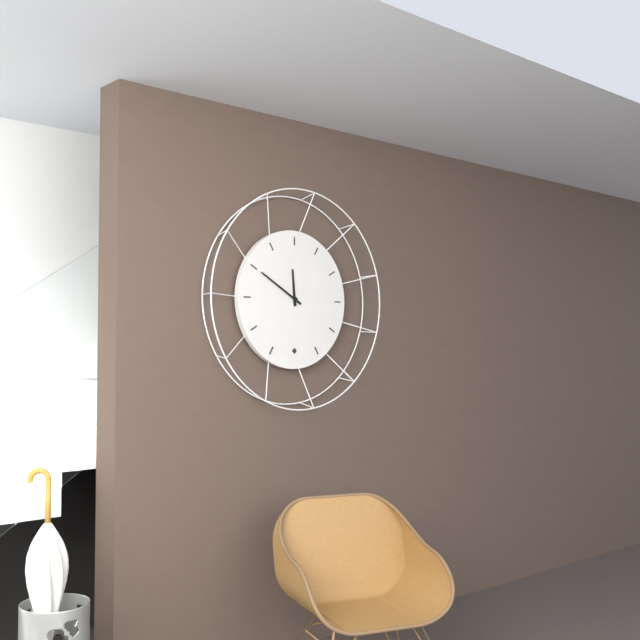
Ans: 11:50
